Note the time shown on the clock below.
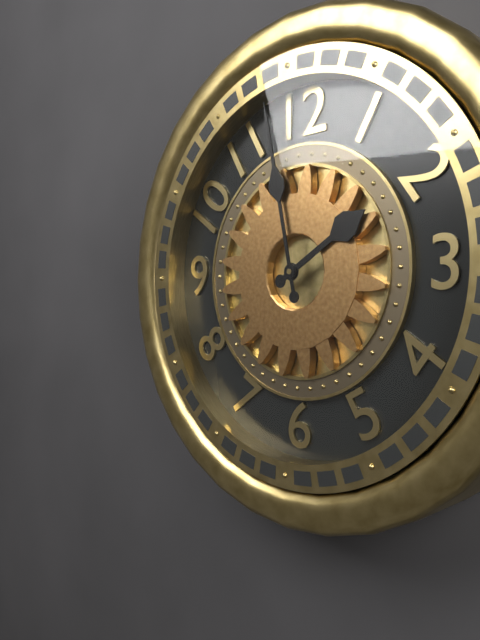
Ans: 1:58
